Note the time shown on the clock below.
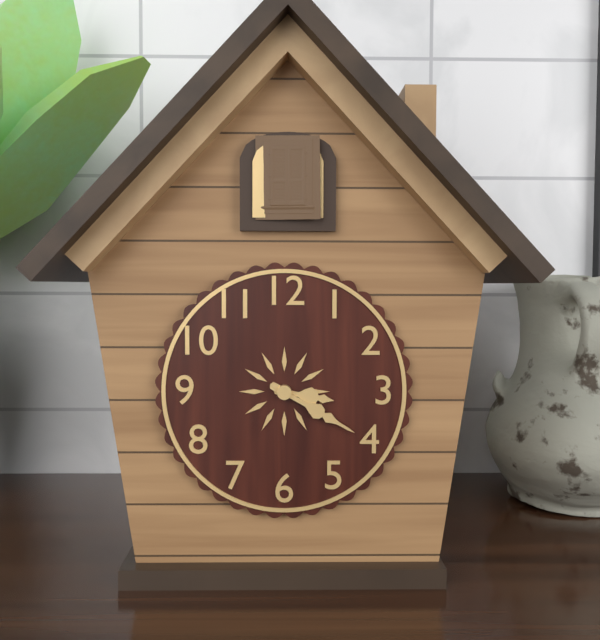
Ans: 3:20
